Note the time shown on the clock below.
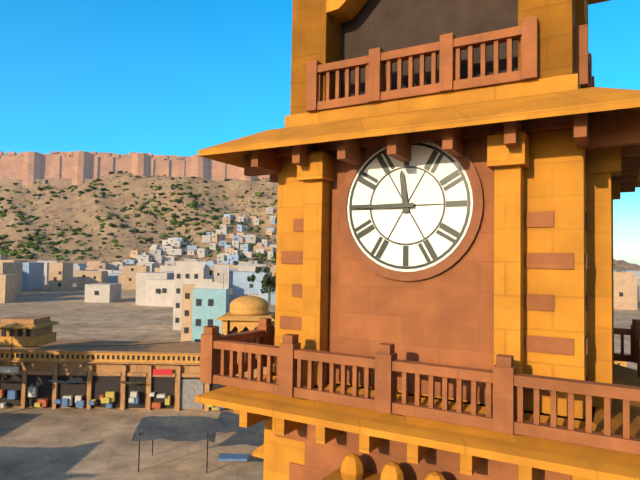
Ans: 11:45
